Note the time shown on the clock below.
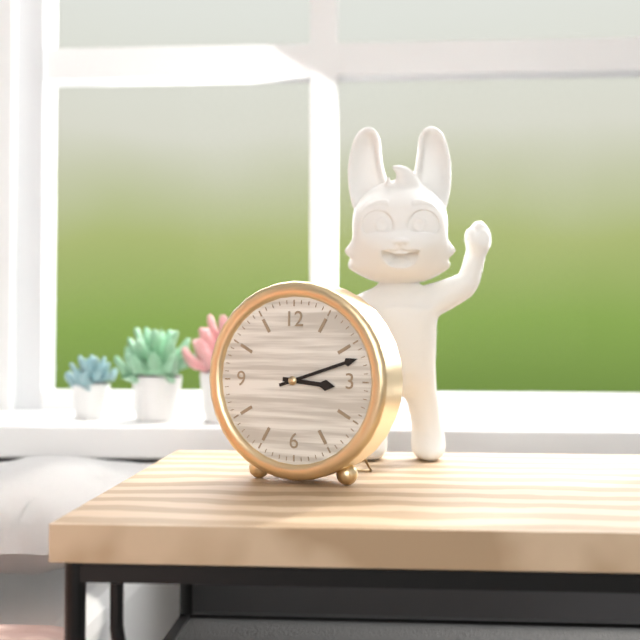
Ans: 3:12
